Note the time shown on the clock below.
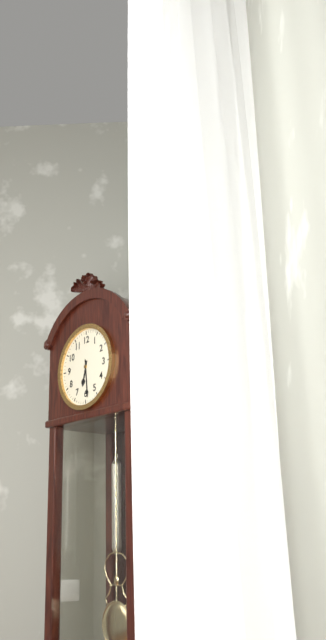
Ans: 6:29
